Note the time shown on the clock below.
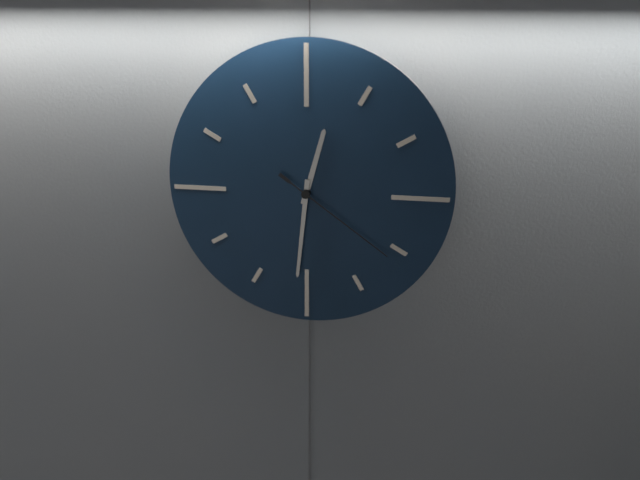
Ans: 12:31:21
